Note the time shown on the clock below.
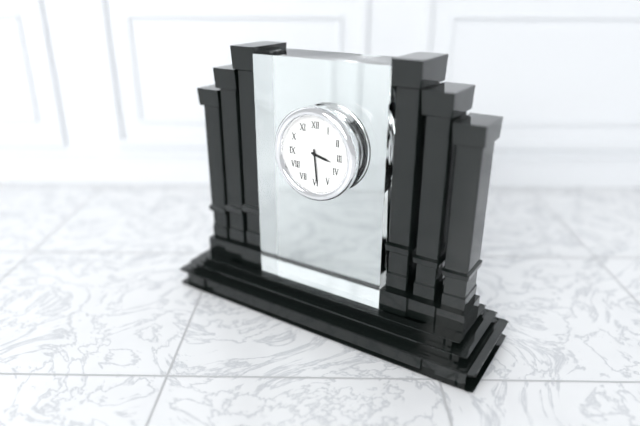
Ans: 3:29
